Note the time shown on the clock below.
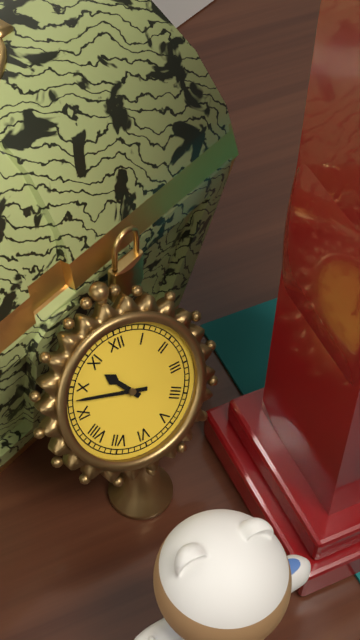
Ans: 10:48
